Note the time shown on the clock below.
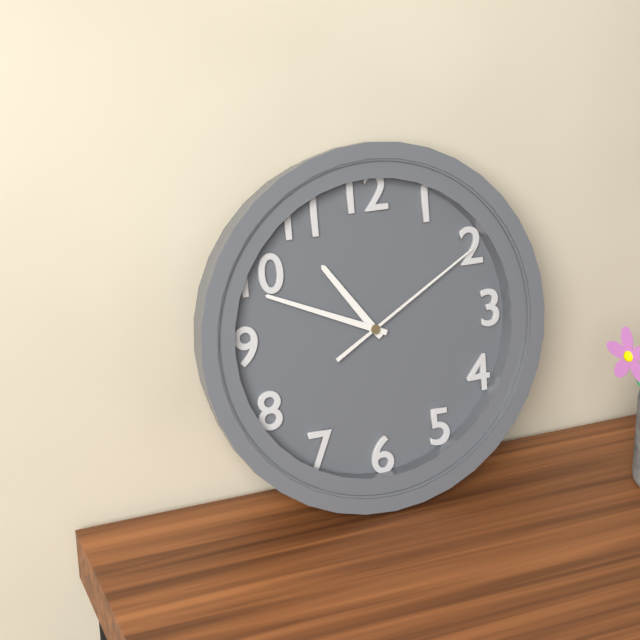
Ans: 10:49:10
